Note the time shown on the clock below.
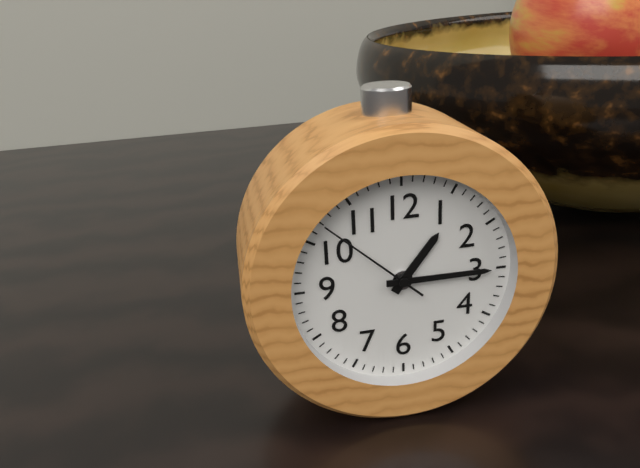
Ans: 1:15:52
